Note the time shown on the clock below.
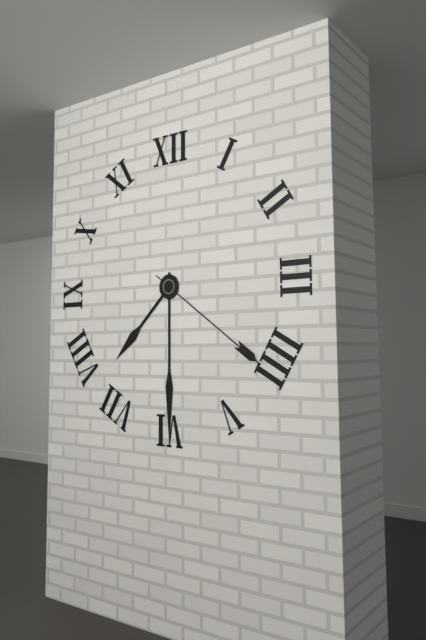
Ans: 7:30:21
